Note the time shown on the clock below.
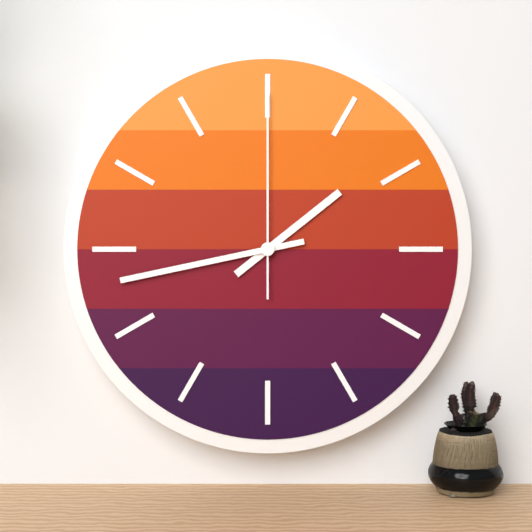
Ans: 1:43:00
